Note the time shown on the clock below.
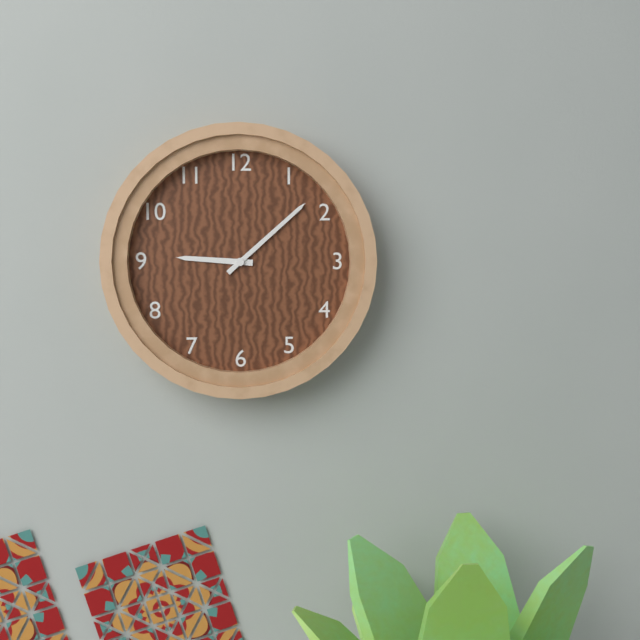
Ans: 9:08
